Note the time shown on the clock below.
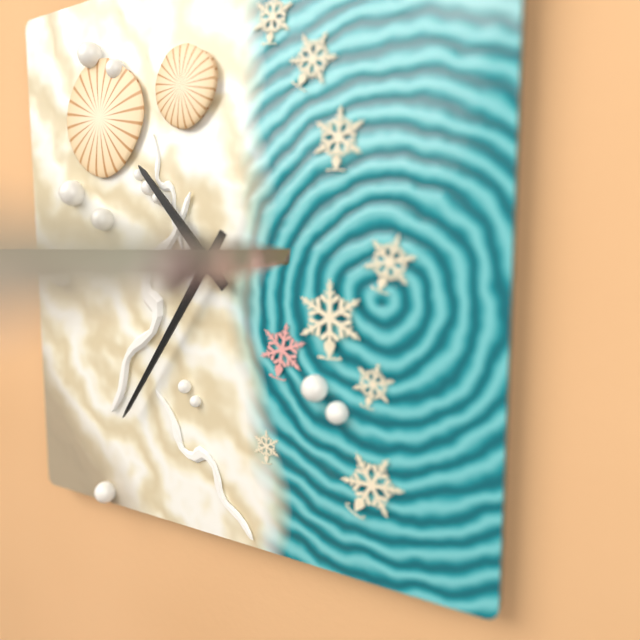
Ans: 10:36
